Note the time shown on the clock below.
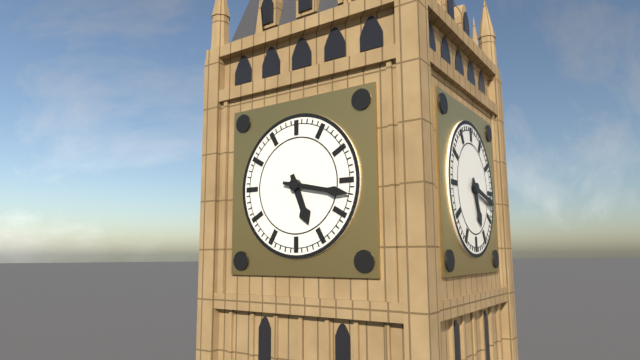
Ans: 5:17
